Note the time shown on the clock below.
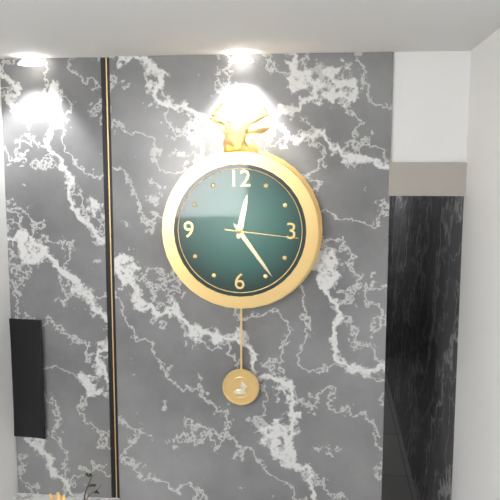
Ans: 12:24:16
